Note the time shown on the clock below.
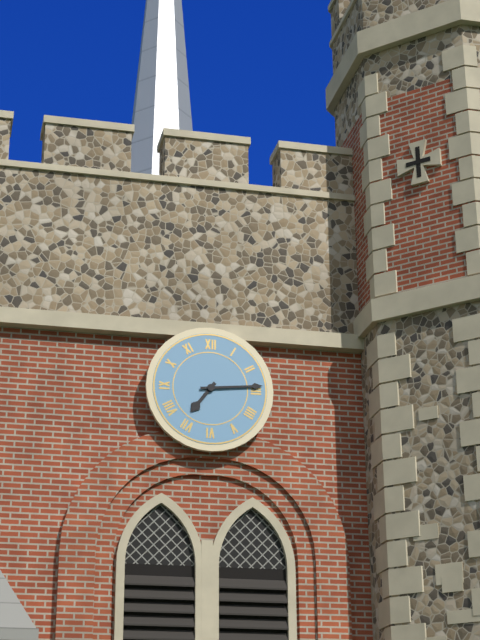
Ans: 7:14
